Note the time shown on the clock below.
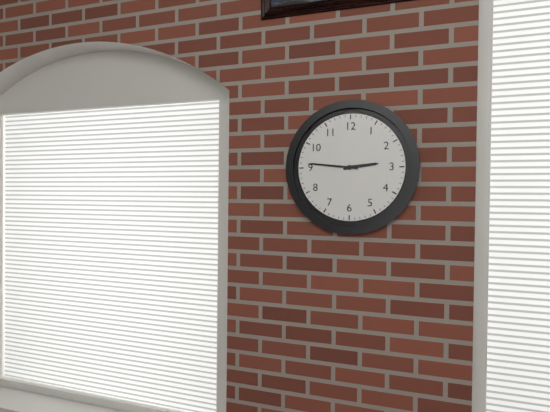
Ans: 2:46
